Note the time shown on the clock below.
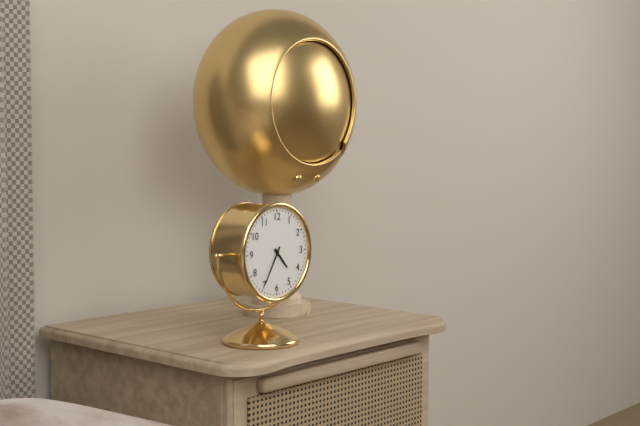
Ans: 4:35
